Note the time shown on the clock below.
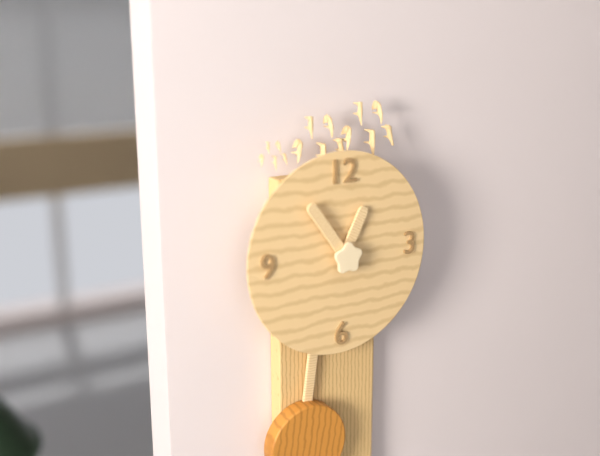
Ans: 12:54
